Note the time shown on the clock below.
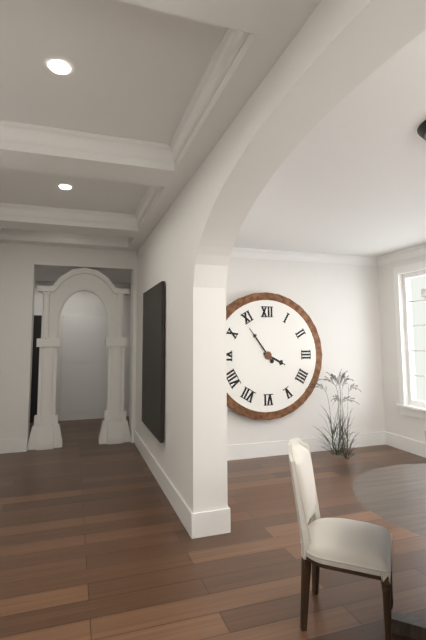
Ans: 3:54
